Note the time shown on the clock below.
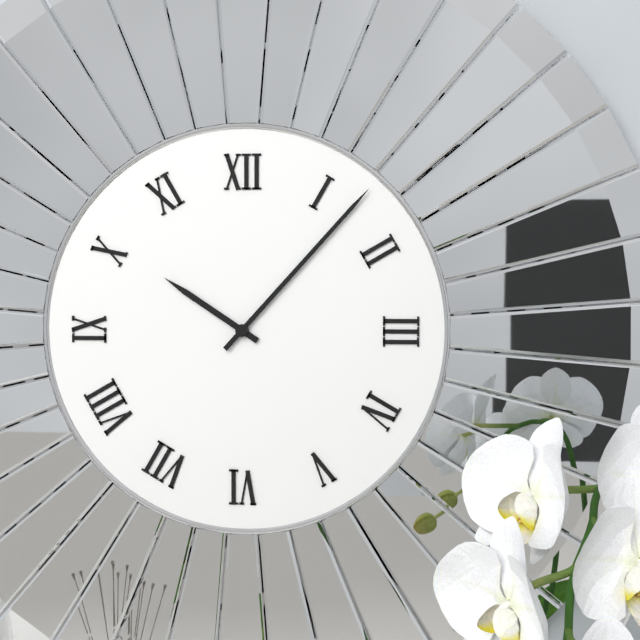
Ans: 10:07
